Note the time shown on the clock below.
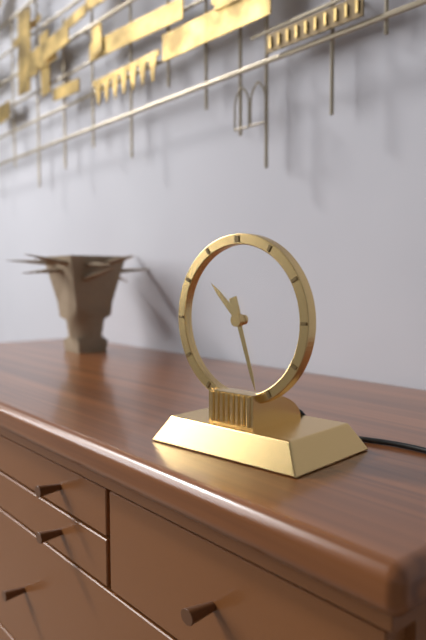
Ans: 10:27
